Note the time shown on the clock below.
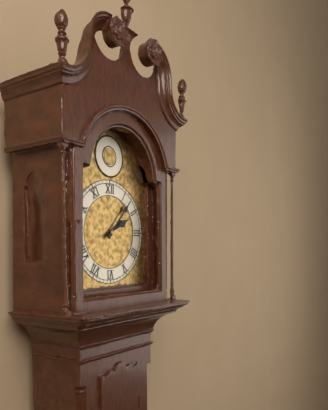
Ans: 2:07
